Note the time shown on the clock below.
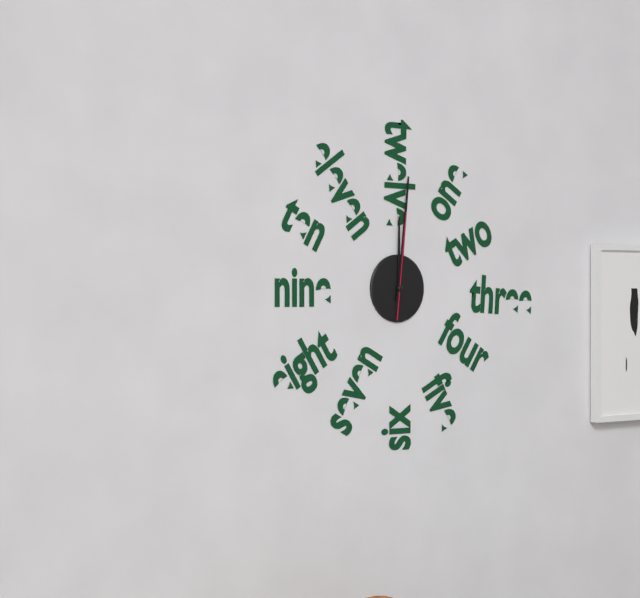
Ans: 12:01:01
